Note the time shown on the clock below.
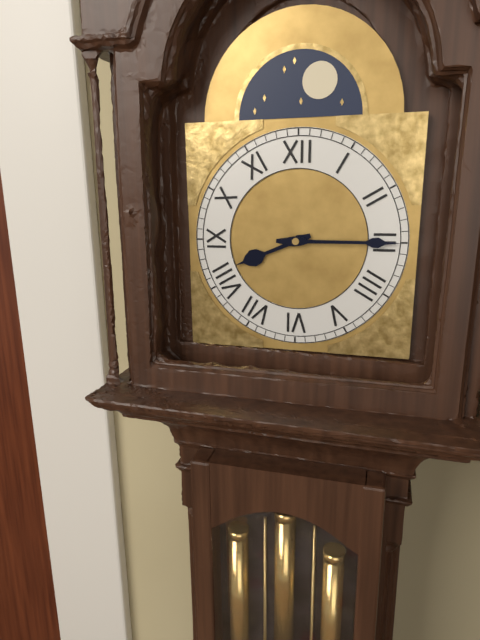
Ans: 8:15
